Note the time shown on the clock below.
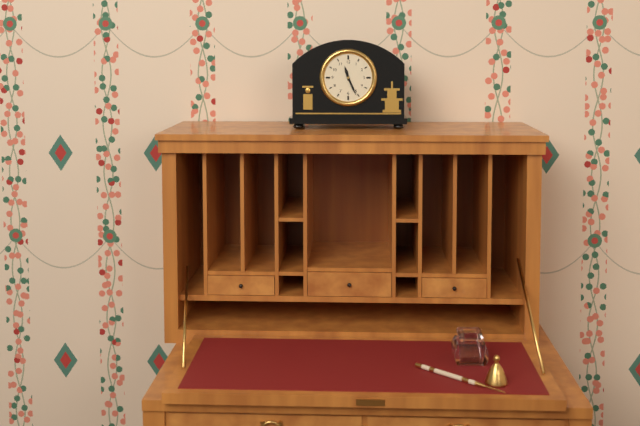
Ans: 11:26
